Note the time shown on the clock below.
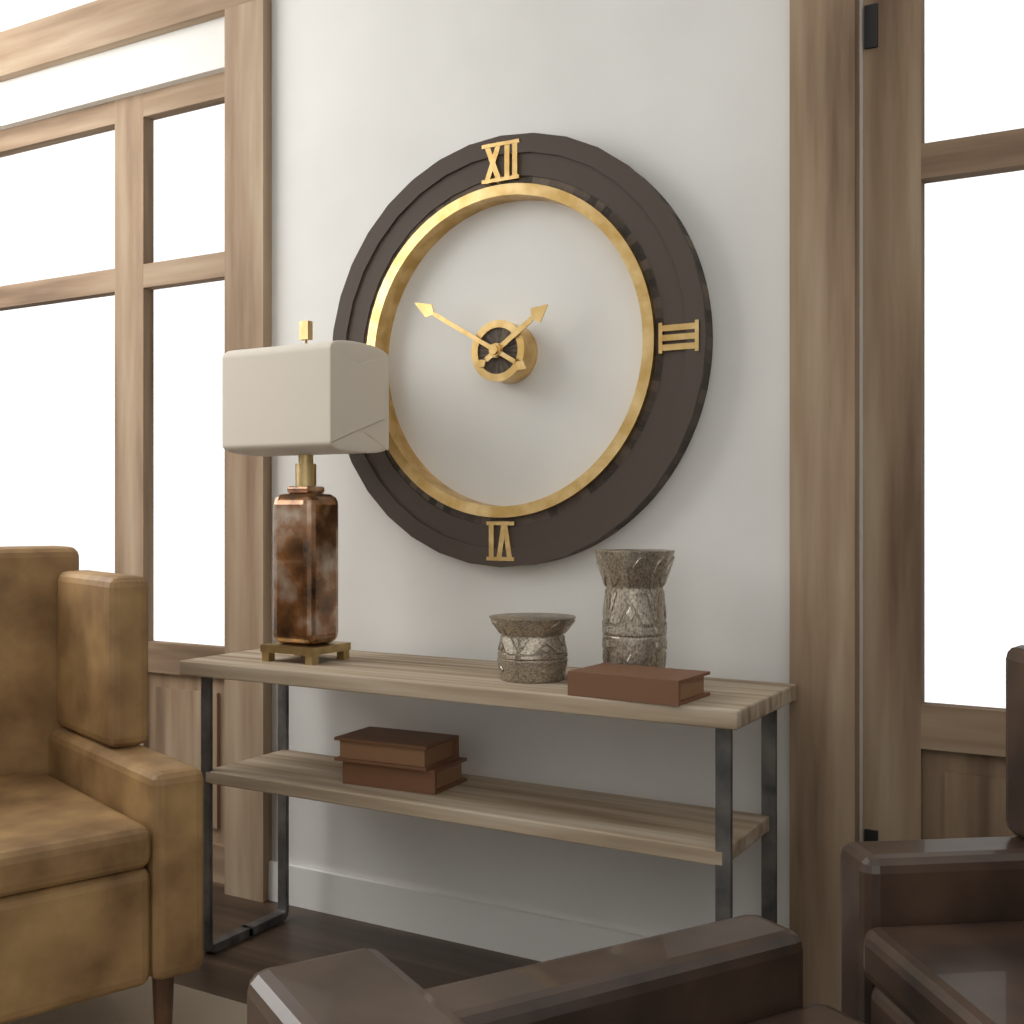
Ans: 1:50
